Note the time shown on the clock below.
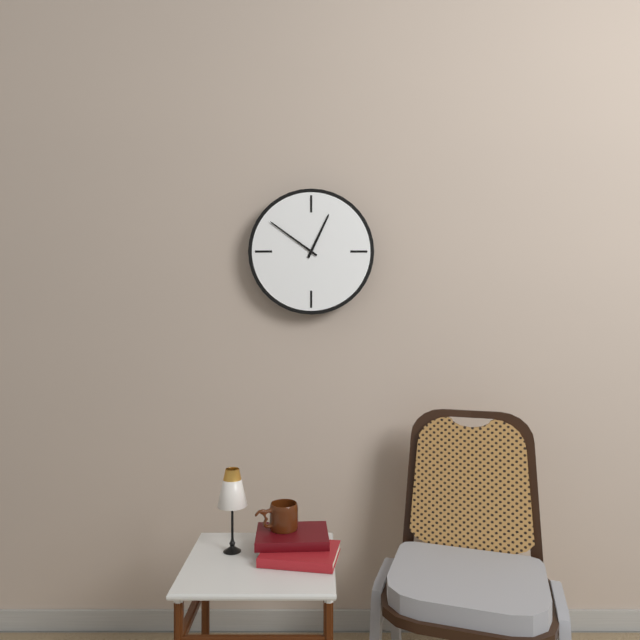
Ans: 12:51
